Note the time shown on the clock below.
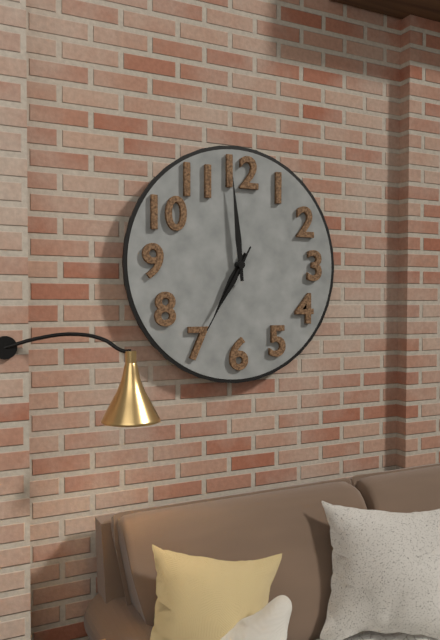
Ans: 6:59:35
